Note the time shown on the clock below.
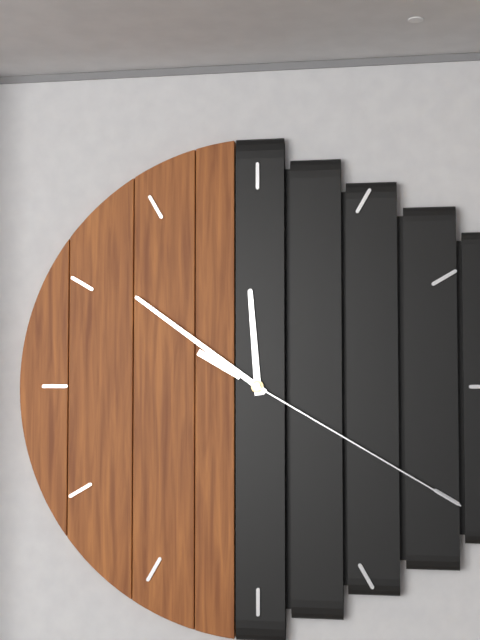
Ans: 11:51:20
